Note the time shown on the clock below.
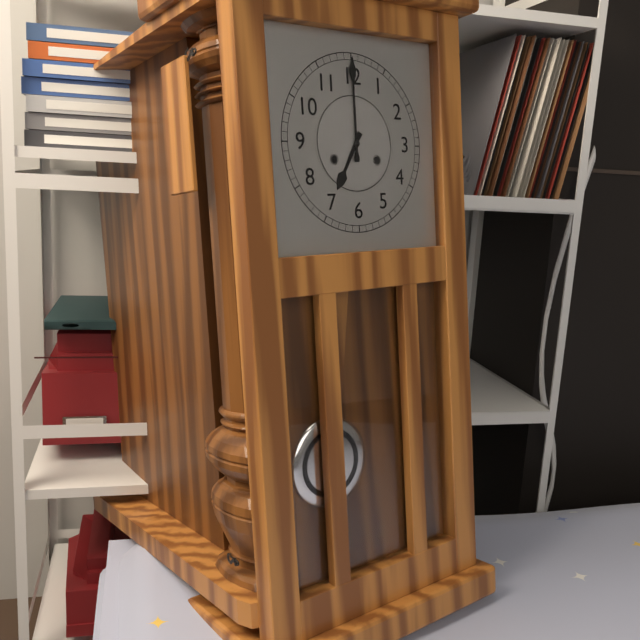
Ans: 7:00
